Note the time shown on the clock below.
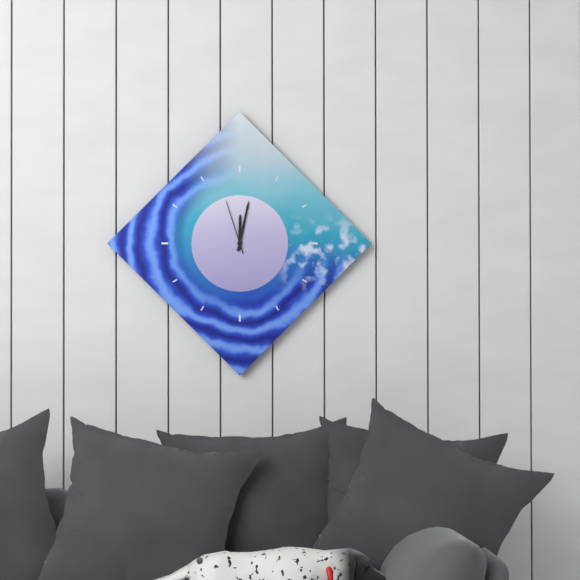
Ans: 12:02:57
